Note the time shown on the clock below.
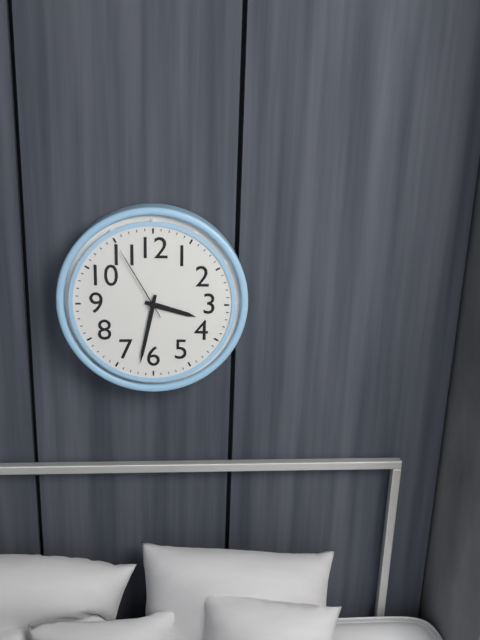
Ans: 3:32:55
